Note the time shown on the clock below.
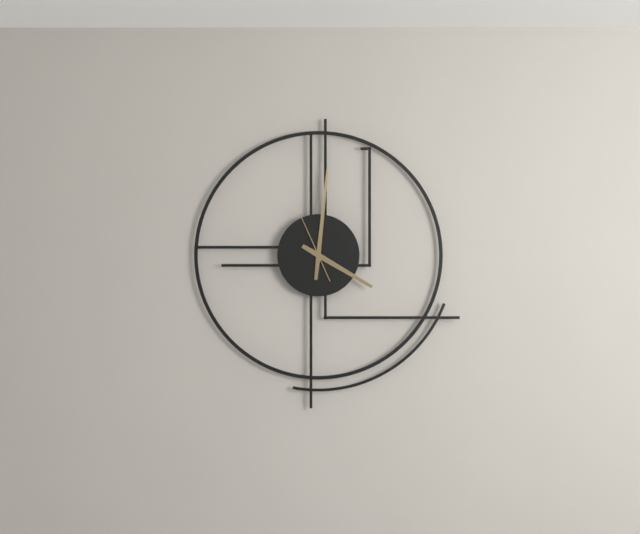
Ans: 4:01:56
